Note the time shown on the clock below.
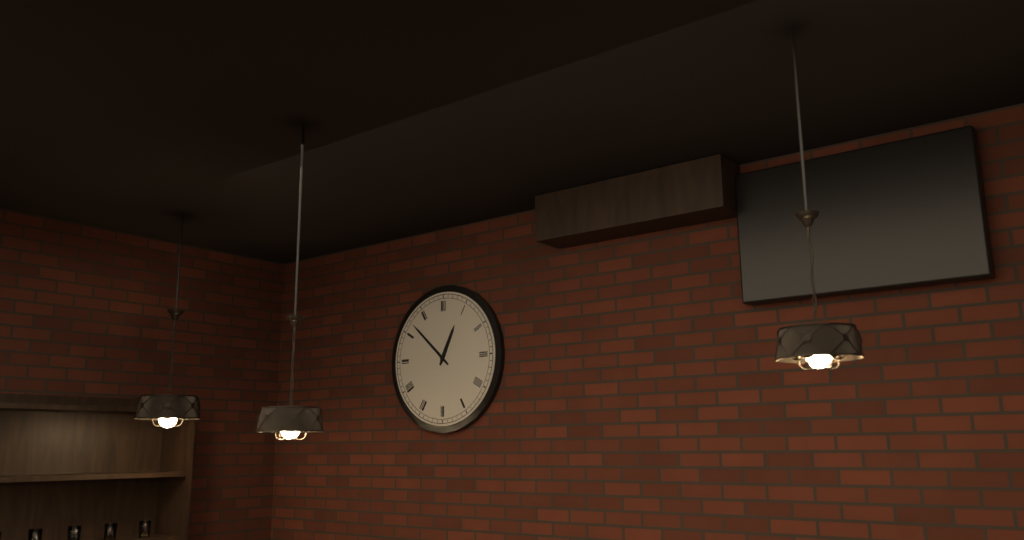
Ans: 12:52
